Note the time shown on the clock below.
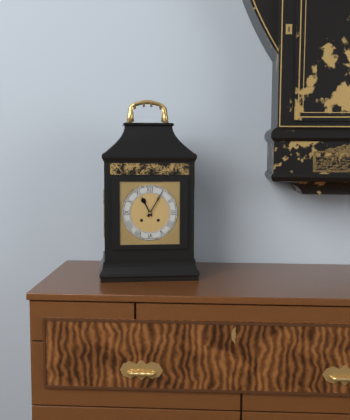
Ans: 11:05
